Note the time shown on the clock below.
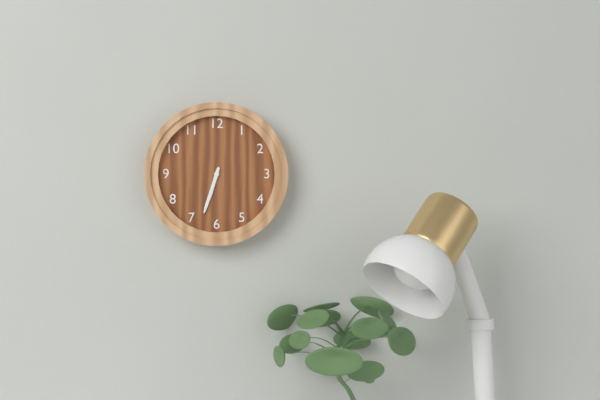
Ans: 6:33
